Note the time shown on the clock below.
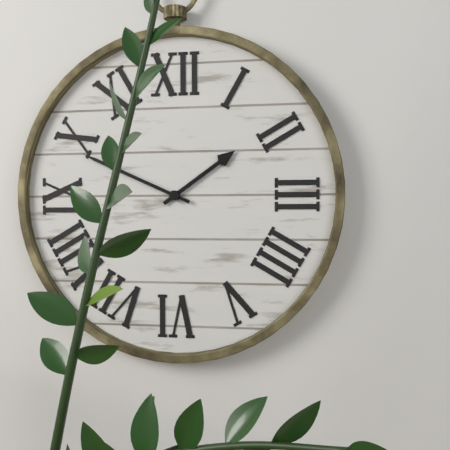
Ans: 1:49
